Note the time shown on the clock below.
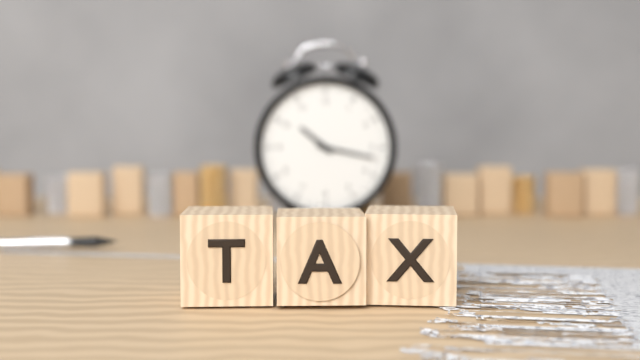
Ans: 10:17
